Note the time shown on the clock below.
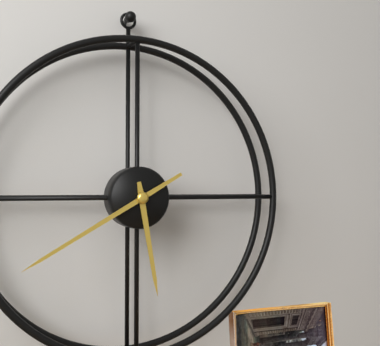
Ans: 5:40
